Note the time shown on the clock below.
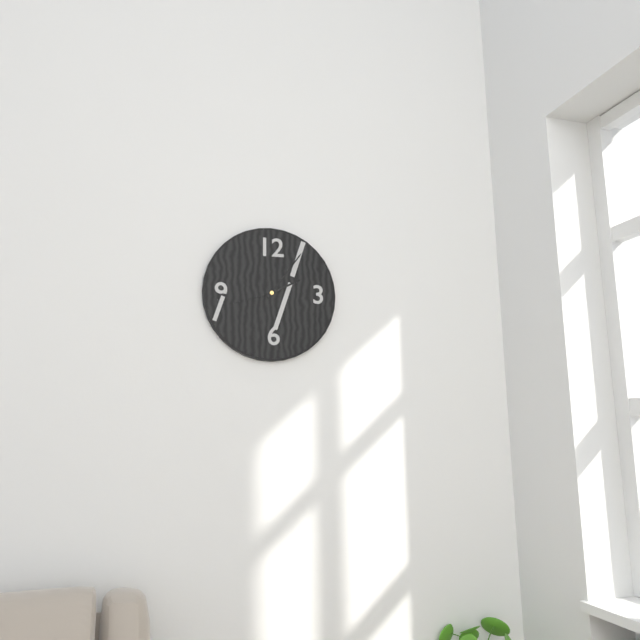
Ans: 2:06:42
